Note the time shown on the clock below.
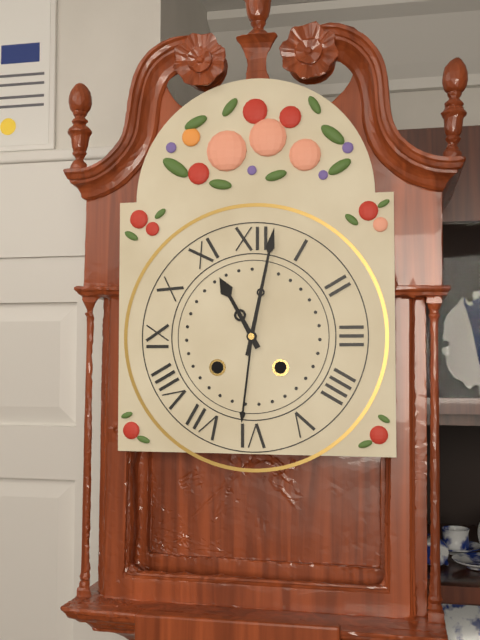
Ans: 11:02
